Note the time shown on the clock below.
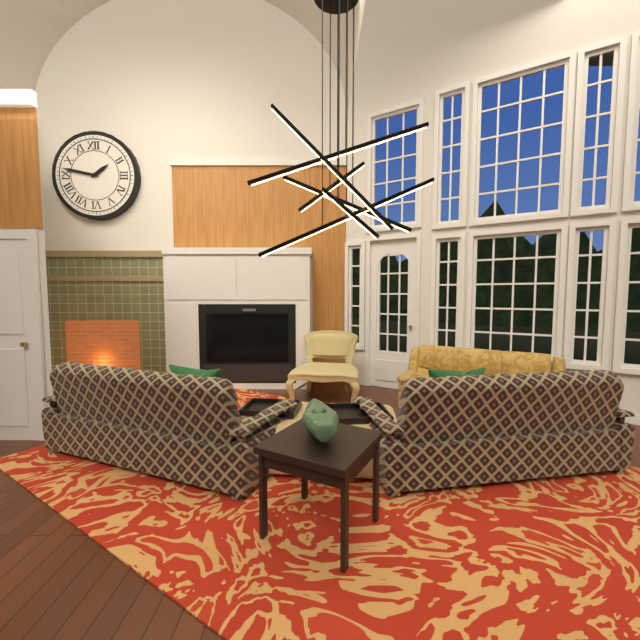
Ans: 1:47
